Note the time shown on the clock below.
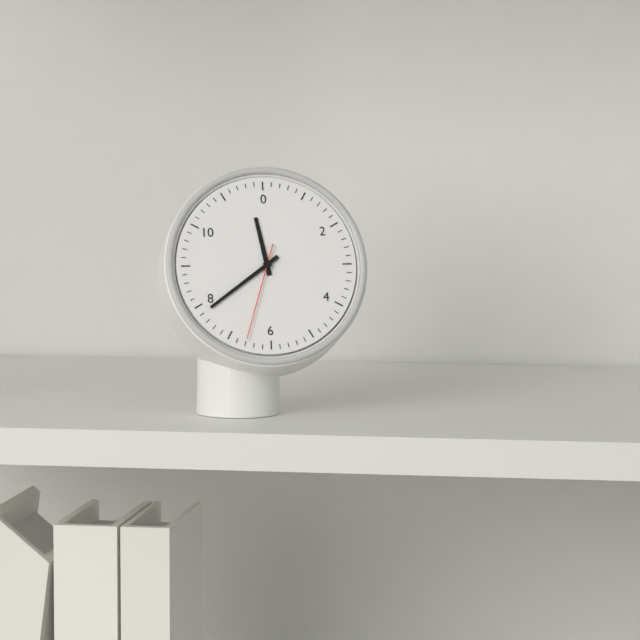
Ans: 11:39:33
